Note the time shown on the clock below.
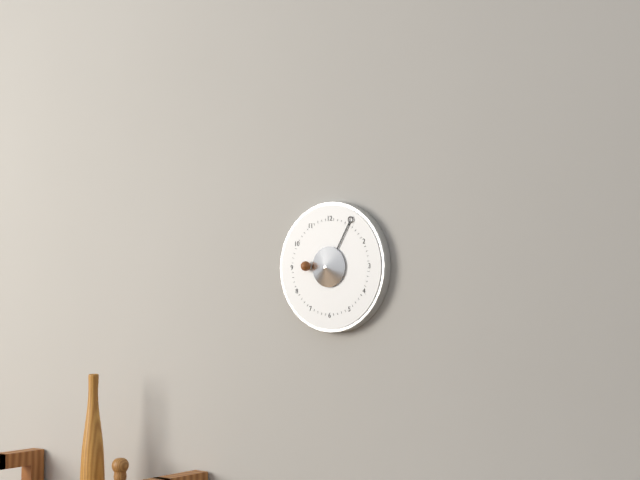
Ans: 9:05
